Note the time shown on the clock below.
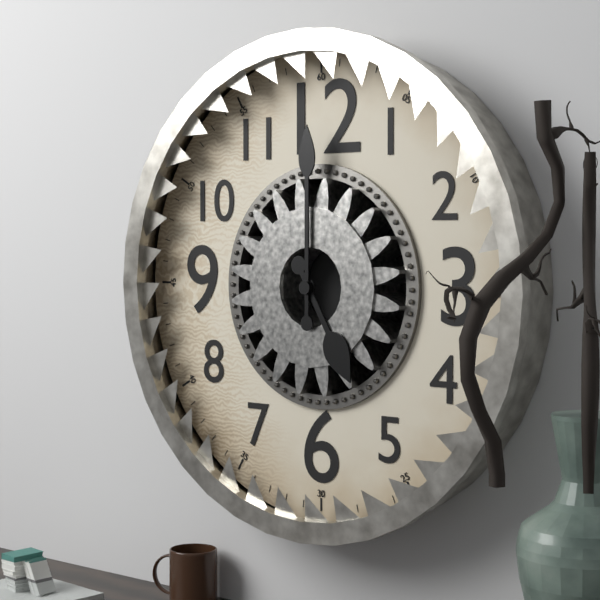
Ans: 5:00
